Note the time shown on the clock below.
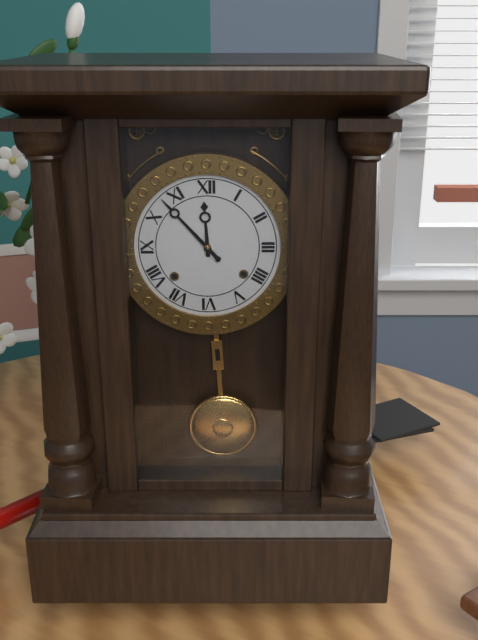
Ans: 11:53
